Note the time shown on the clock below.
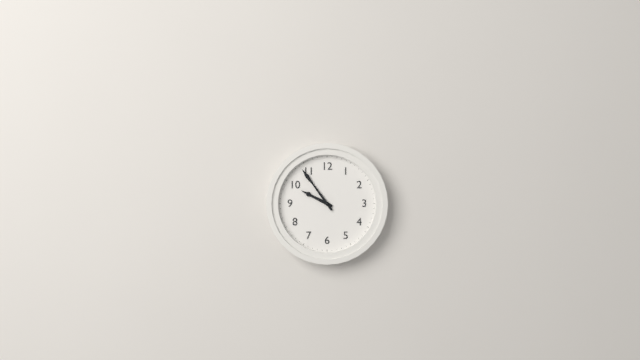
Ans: 9:54
